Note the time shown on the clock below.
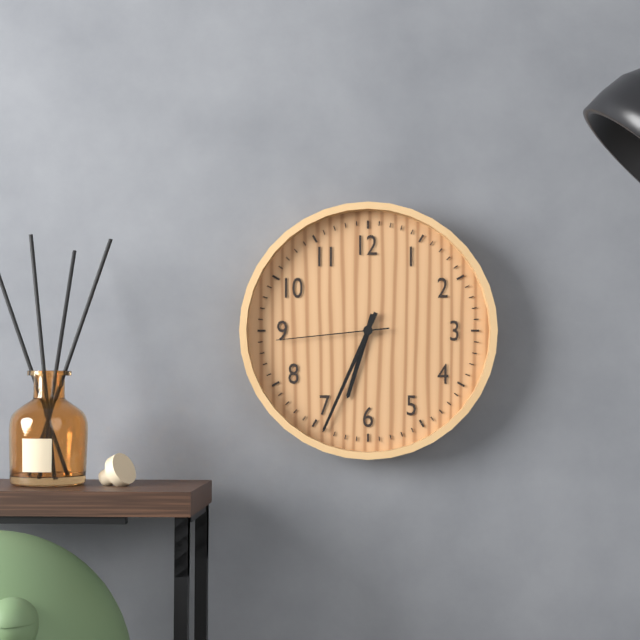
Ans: 6:34:44
